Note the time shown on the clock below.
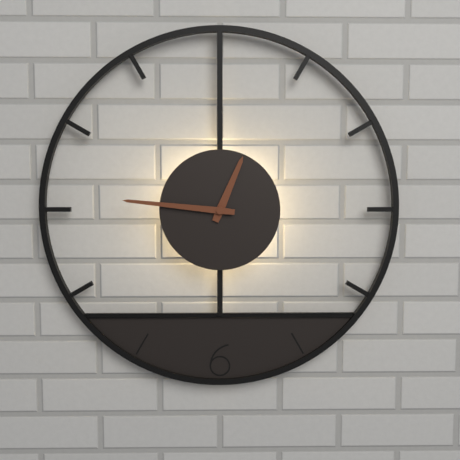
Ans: 12:46
